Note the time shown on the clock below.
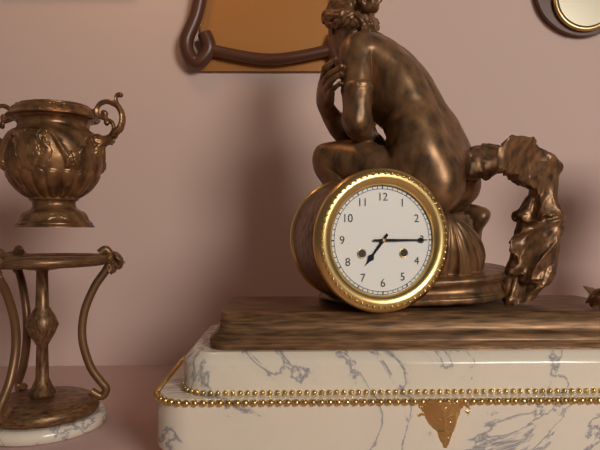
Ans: 7:15
